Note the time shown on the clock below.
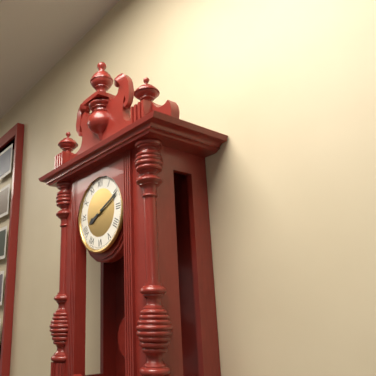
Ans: 8:11
